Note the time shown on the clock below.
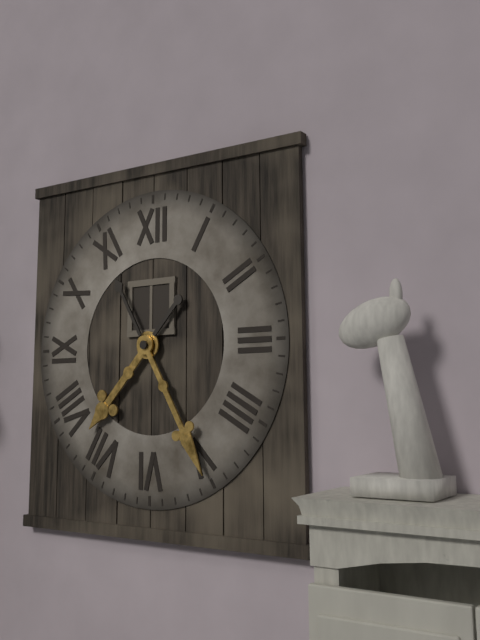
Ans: 7:25
